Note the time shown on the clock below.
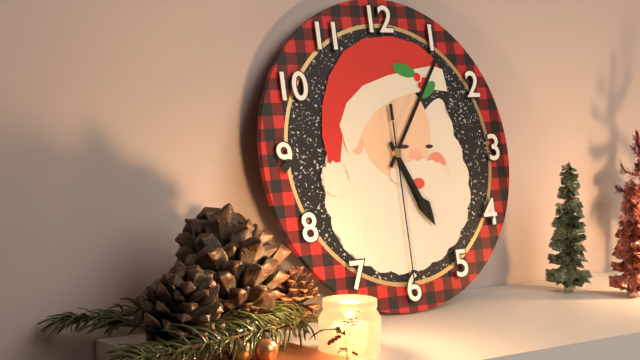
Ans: 5:06:30
